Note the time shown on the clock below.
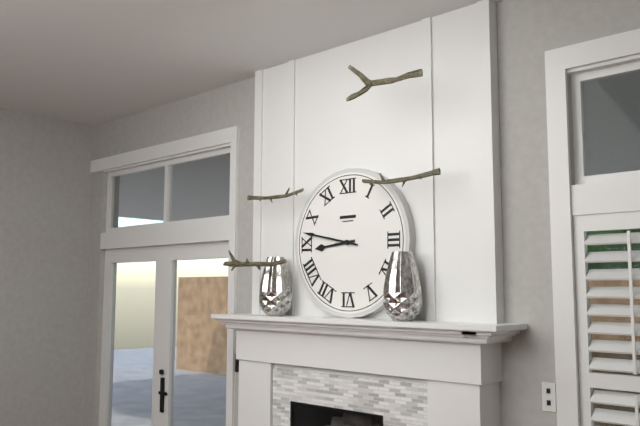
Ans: 8:47
